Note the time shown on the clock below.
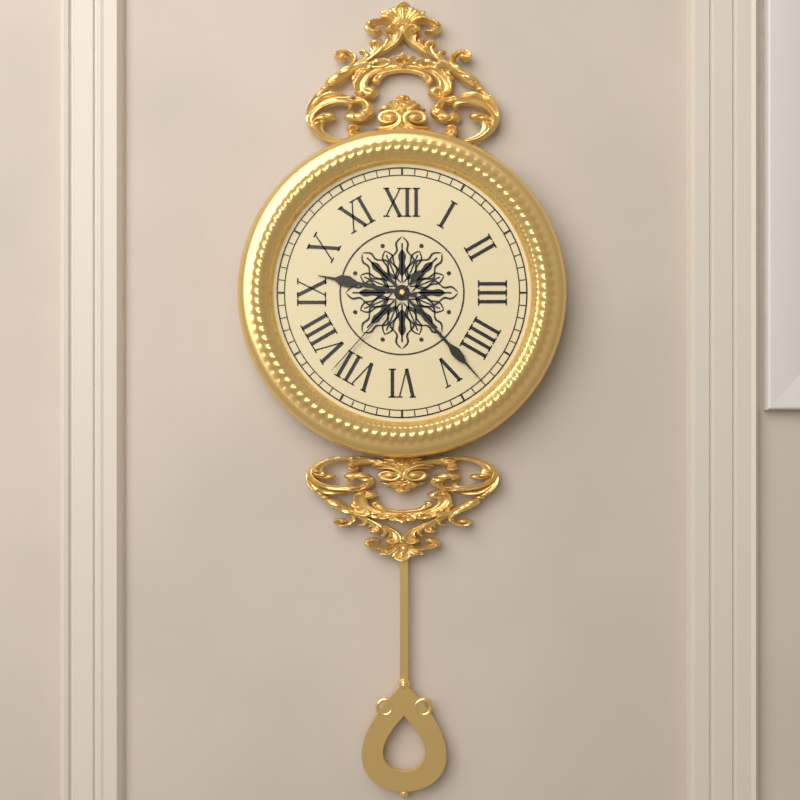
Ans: 9:23:37
